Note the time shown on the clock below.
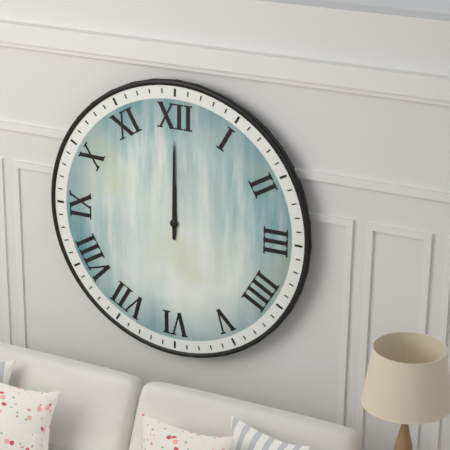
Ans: 12:00
